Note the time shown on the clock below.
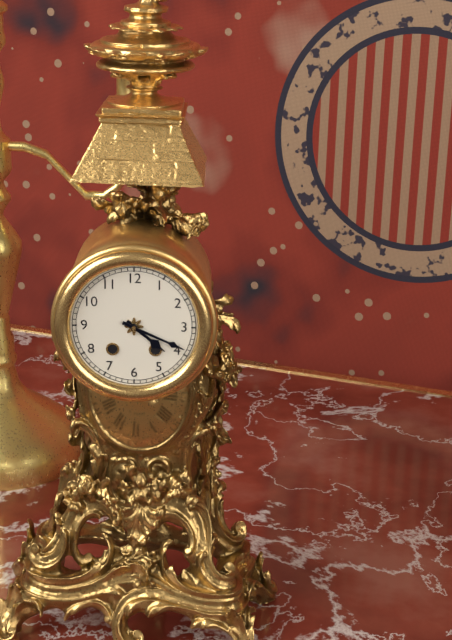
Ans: 4:19
